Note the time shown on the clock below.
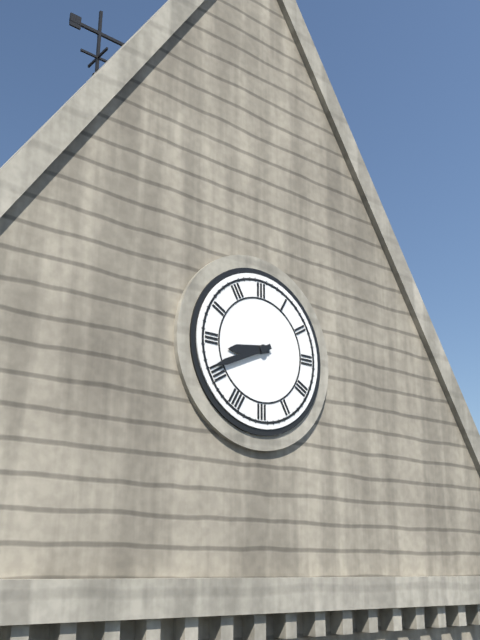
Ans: 8:41
